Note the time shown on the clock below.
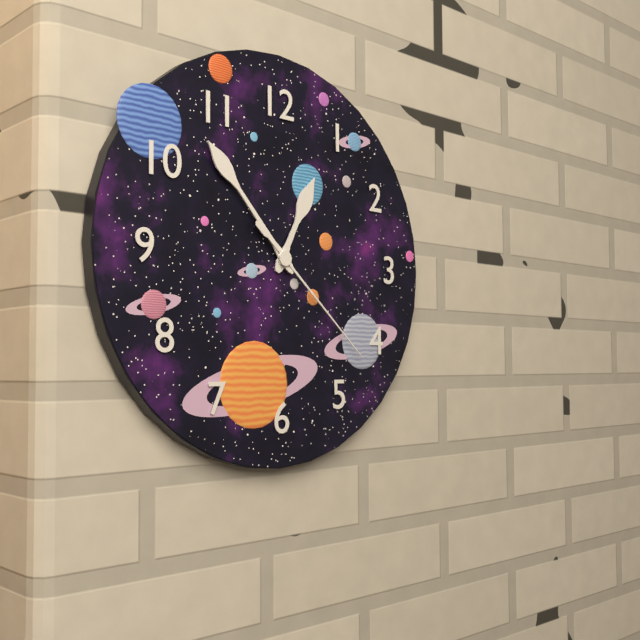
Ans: 12:53:22
